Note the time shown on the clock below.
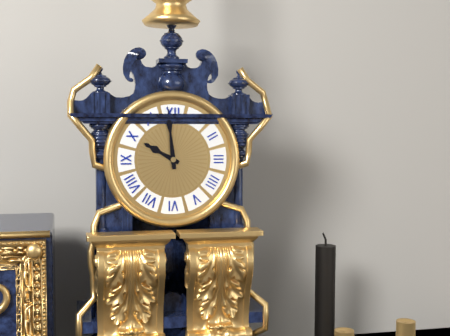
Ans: 9:59
